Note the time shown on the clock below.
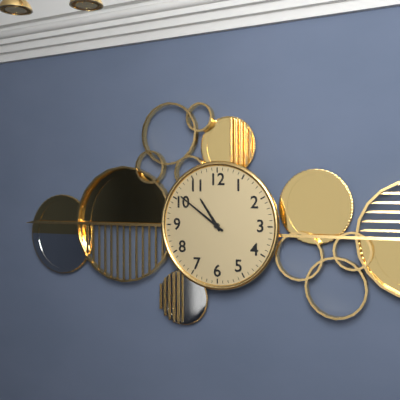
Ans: 10:51
